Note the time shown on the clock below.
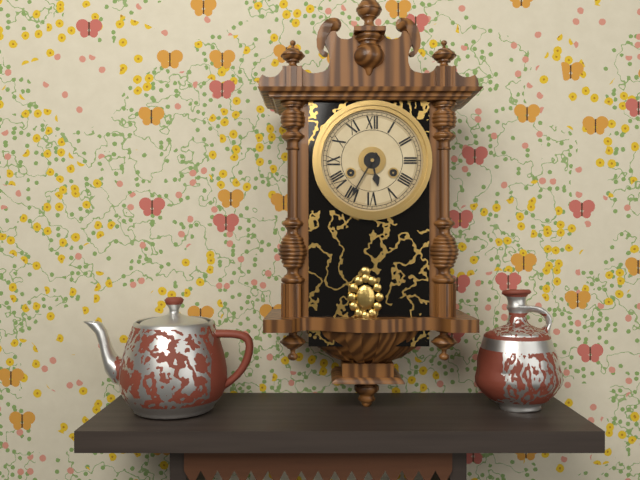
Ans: 5:35
